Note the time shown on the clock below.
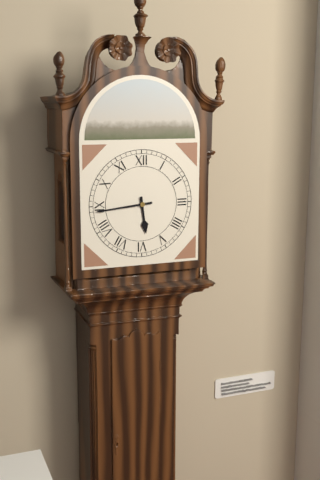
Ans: 5:44
